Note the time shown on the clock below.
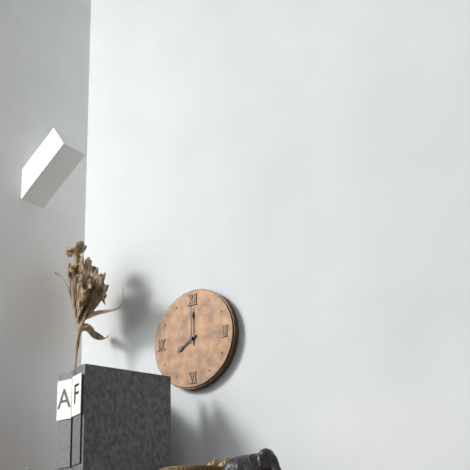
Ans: 8:00
